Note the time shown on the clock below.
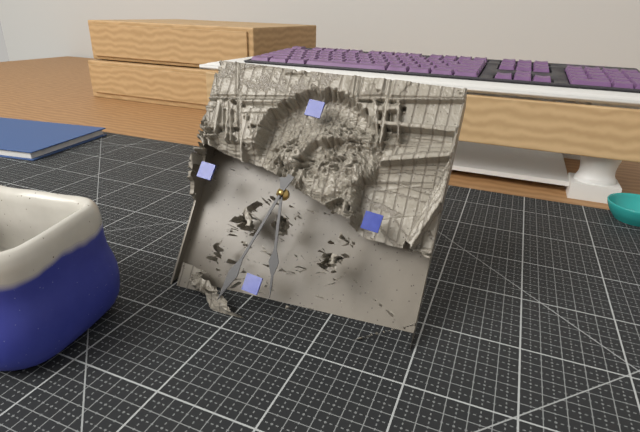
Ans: 5:32
